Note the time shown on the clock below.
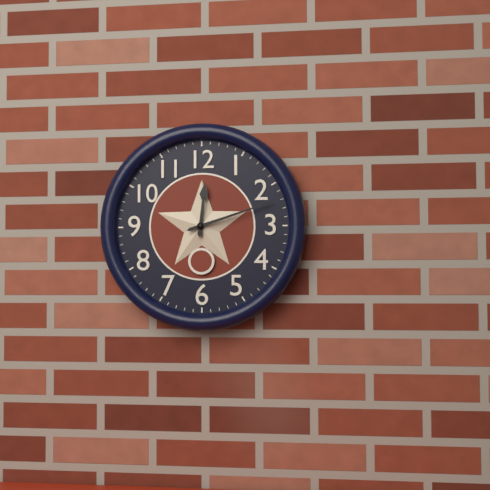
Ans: 12:12
